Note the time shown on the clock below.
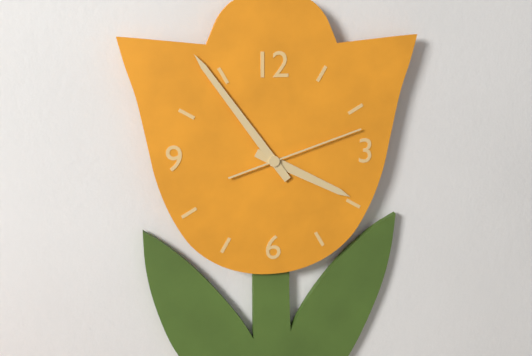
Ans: 3:54:12
